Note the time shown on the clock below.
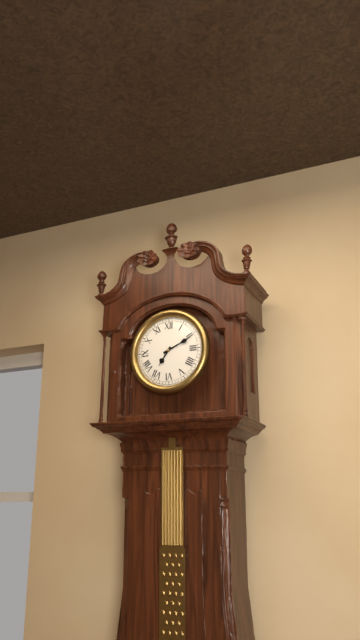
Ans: 7:11
